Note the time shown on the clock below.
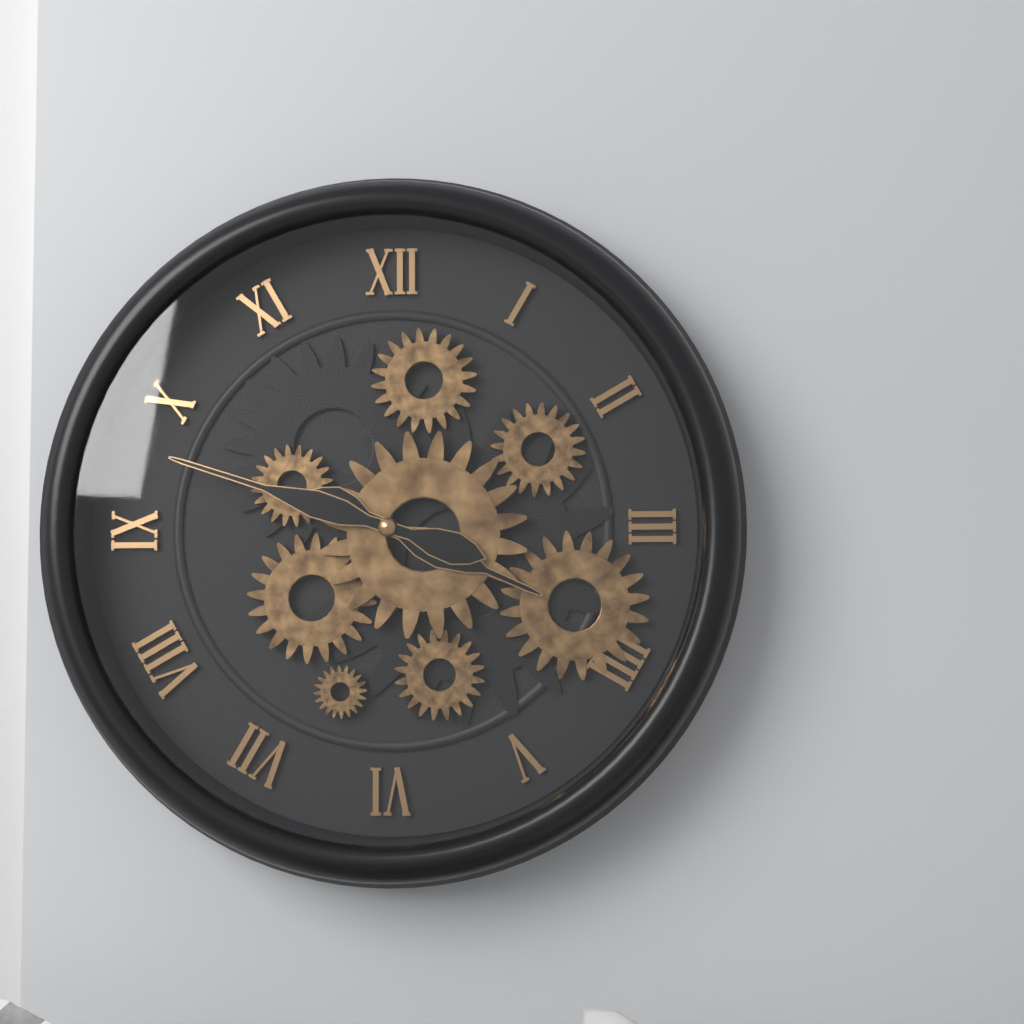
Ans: 3:48
